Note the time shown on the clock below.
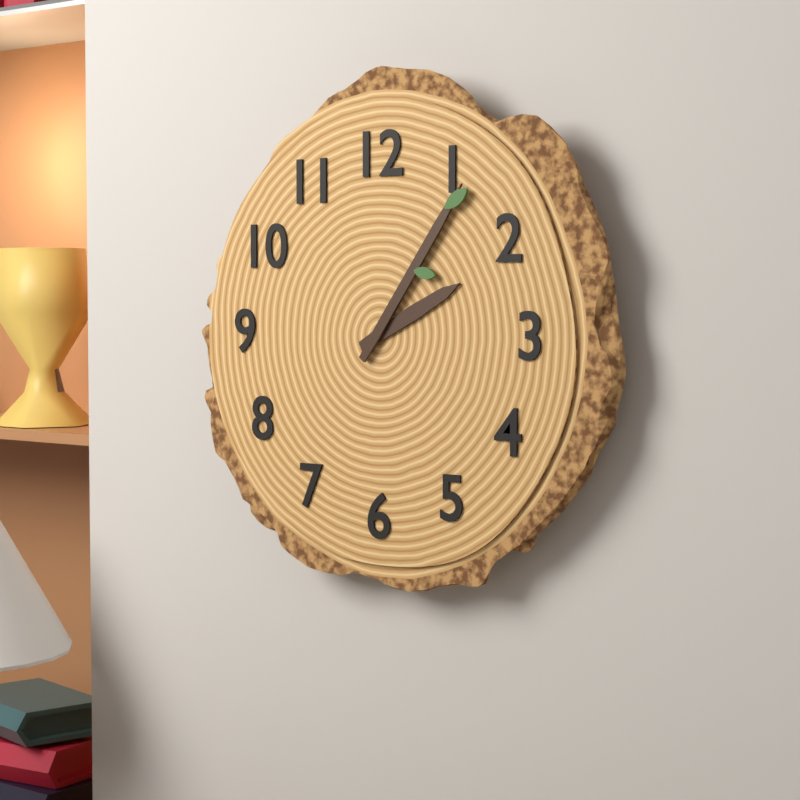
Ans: 2:06
